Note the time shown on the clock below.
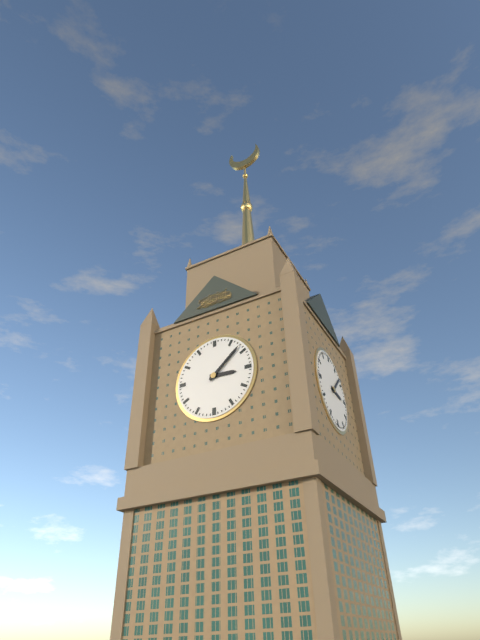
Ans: 3:08
